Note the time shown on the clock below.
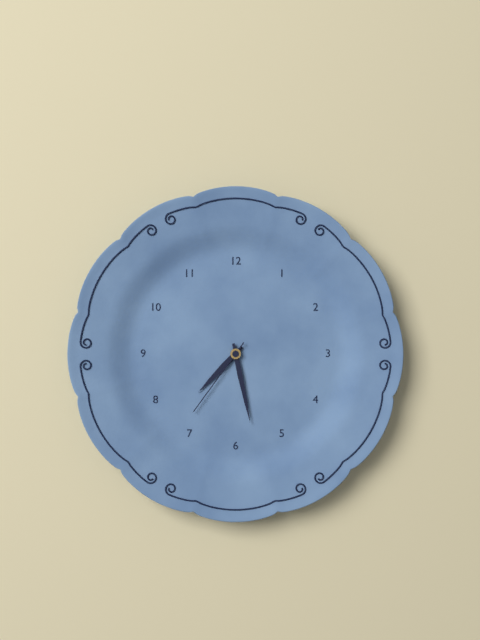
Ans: 7:28:36
